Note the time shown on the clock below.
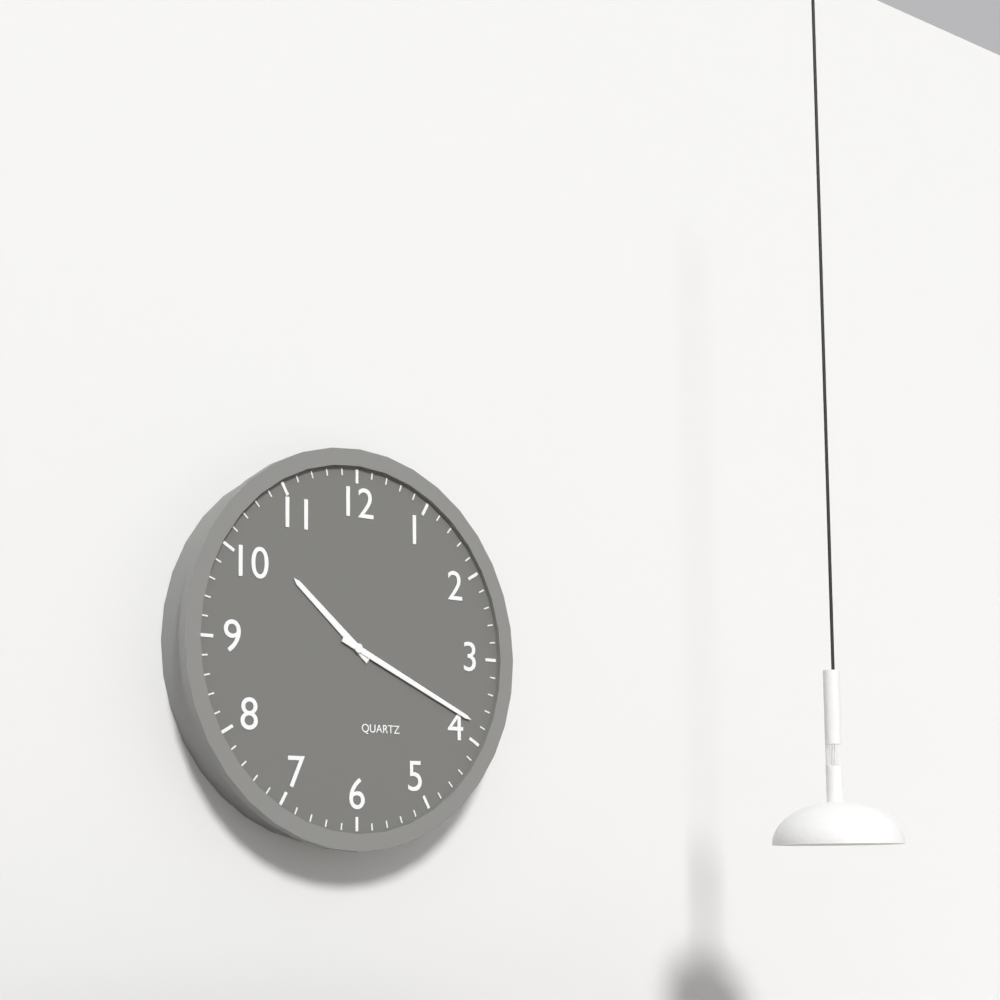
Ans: 10:19
